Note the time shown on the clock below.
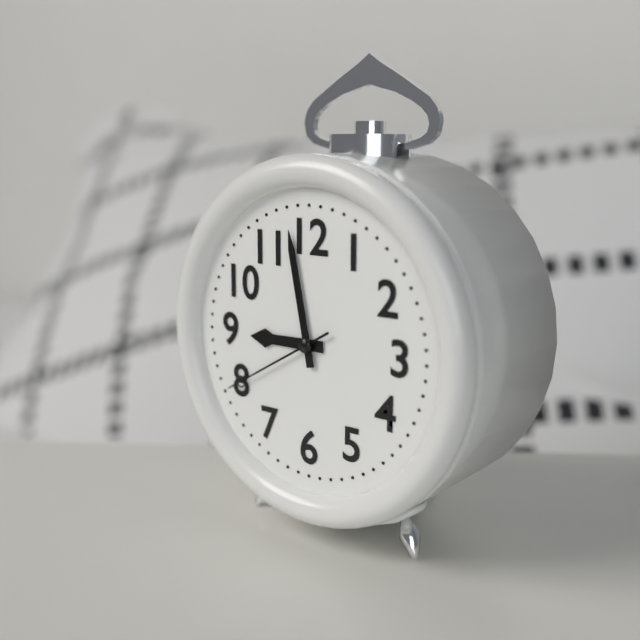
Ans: 8:58:40
